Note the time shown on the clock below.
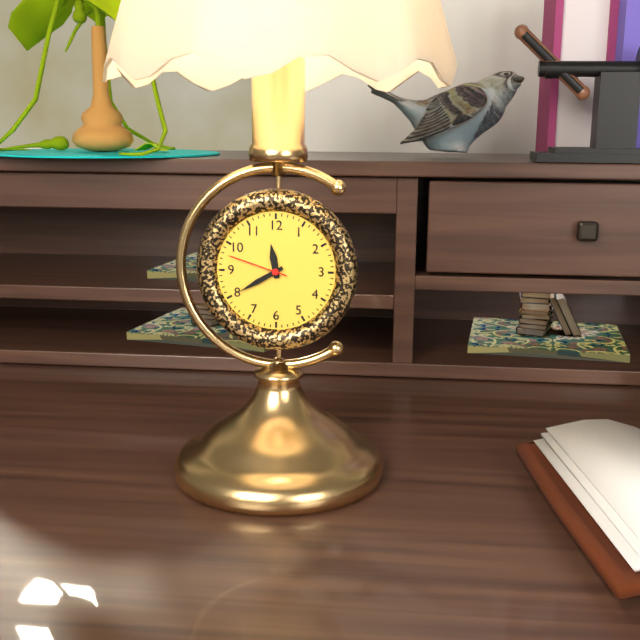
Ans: 11:40:48
